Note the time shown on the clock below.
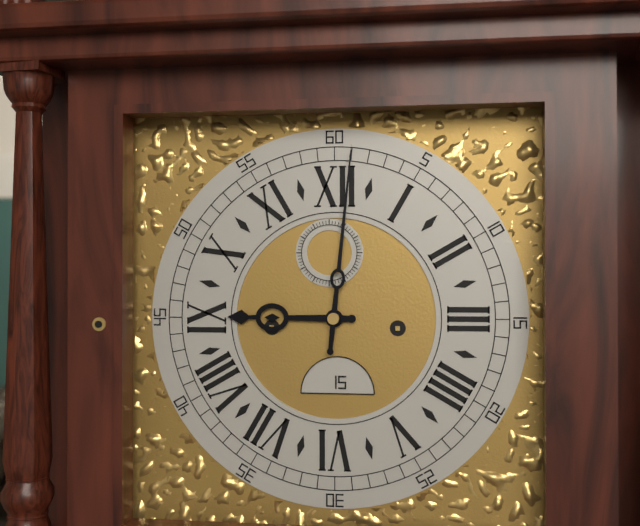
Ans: 9:01
